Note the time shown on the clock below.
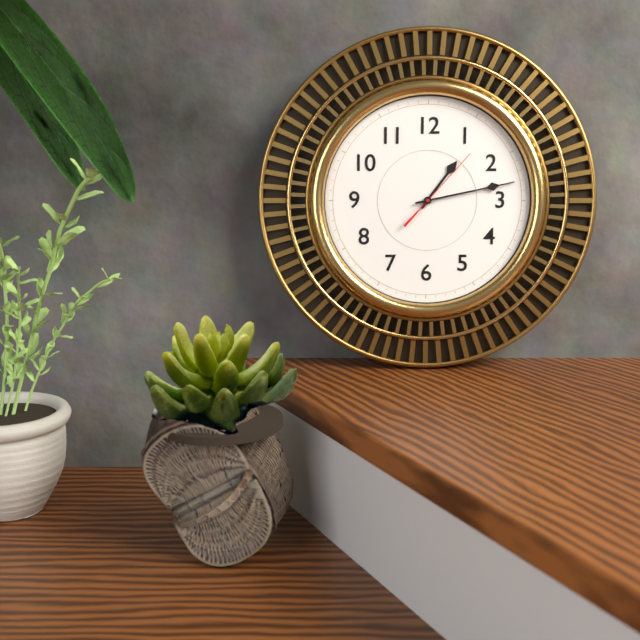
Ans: 1:13:07
